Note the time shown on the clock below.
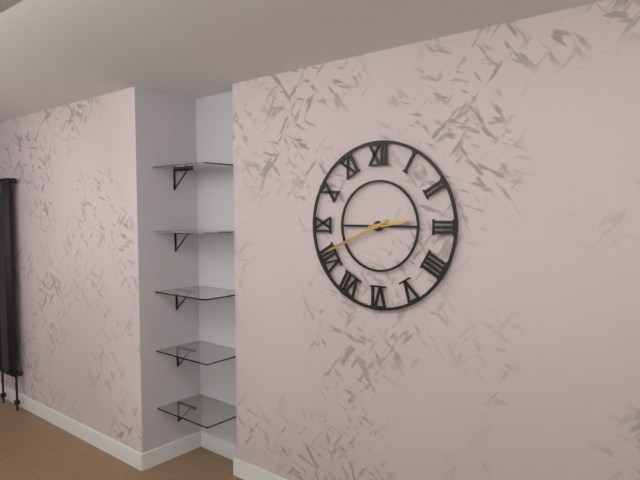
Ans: 2:41
